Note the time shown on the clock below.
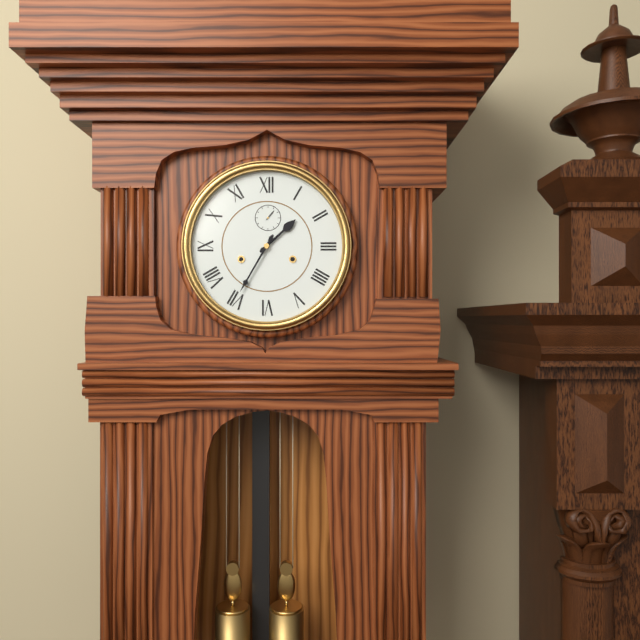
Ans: 1:35
